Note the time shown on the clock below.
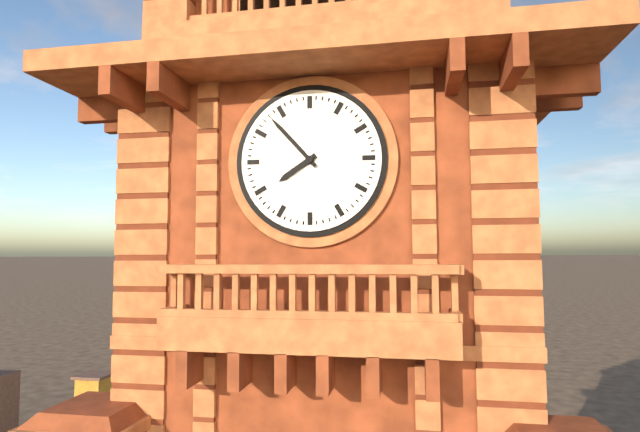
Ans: 7:53
